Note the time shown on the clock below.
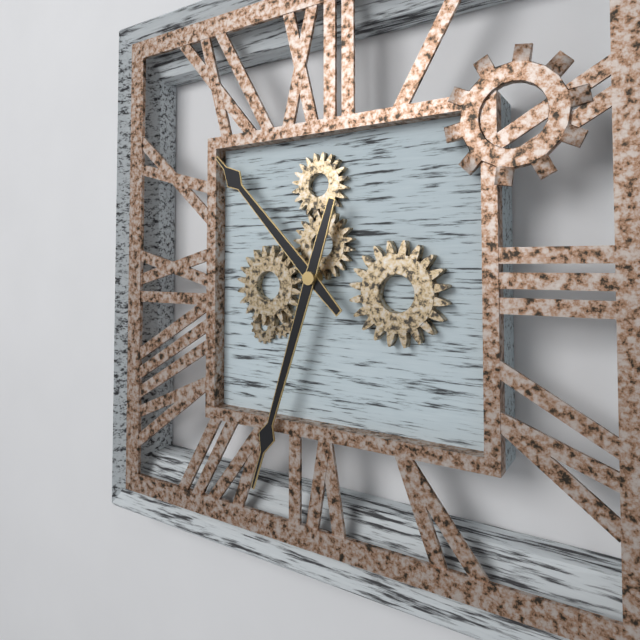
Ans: 10:33
